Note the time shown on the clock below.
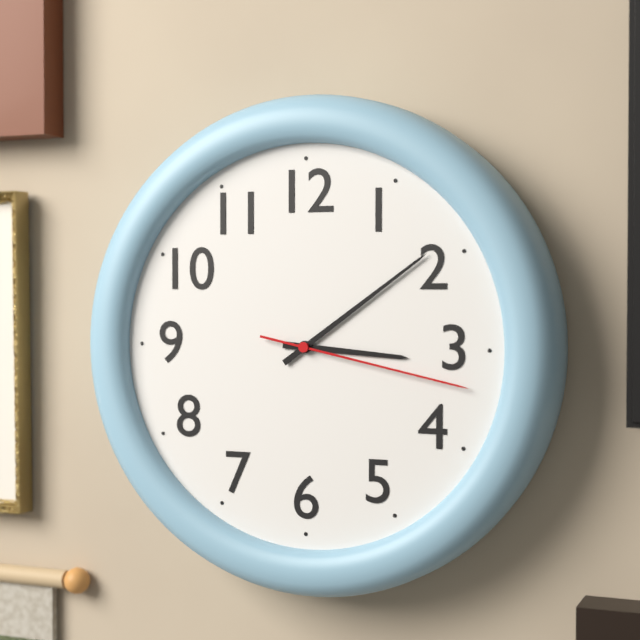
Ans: 3:09:17
